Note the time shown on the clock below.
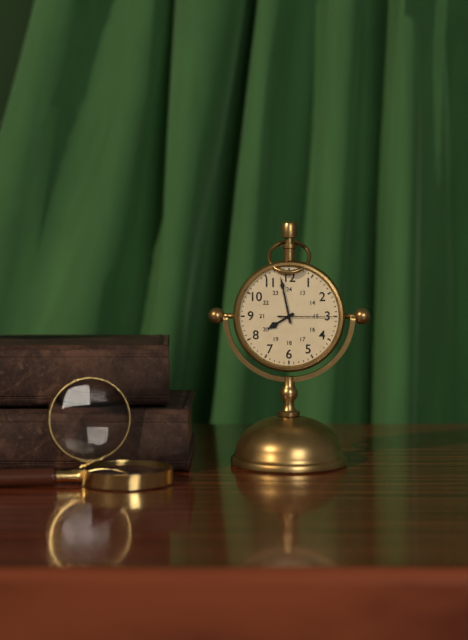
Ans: 7:58:15
